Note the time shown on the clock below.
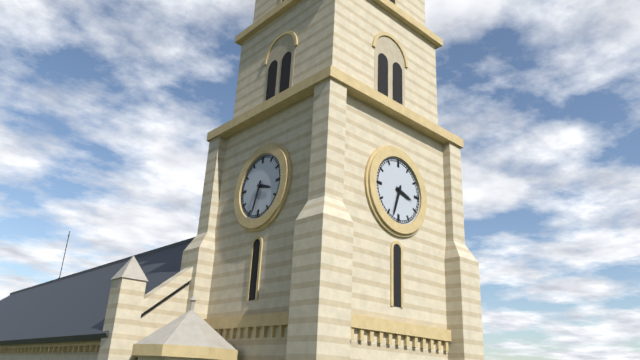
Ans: 3:33
